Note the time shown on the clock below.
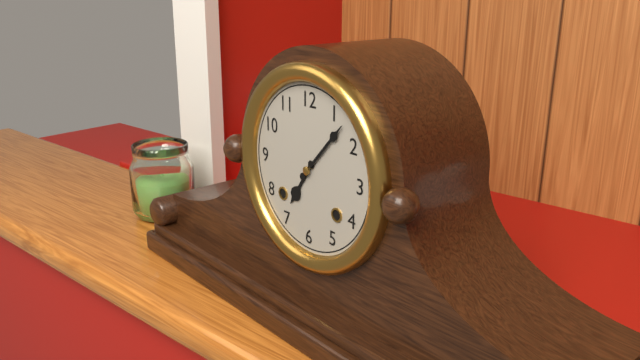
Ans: 7:07
